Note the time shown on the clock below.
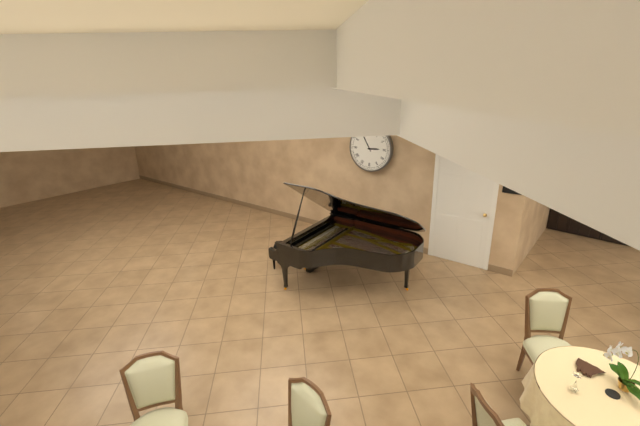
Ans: 2:55
